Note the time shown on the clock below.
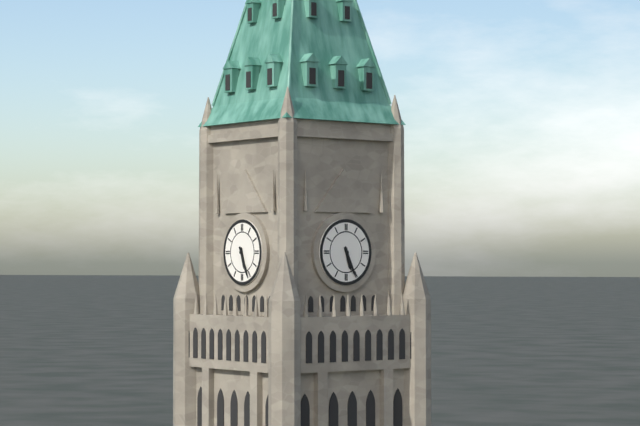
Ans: 5:26
